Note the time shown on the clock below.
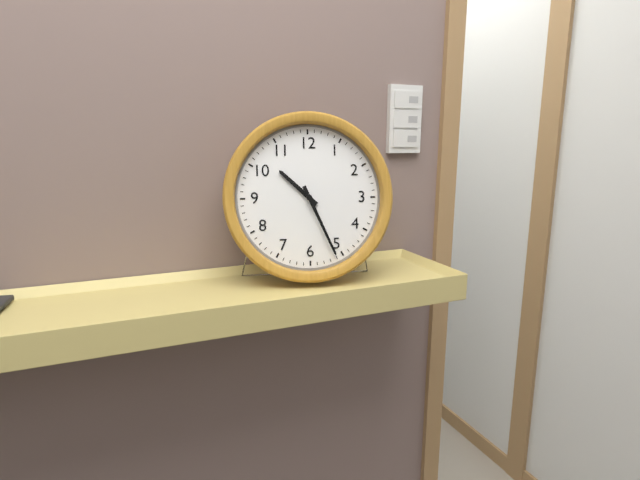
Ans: 10:26
